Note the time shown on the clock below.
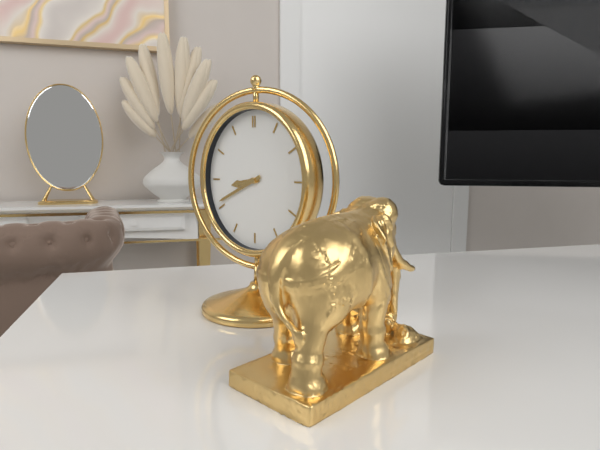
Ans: 8:41
